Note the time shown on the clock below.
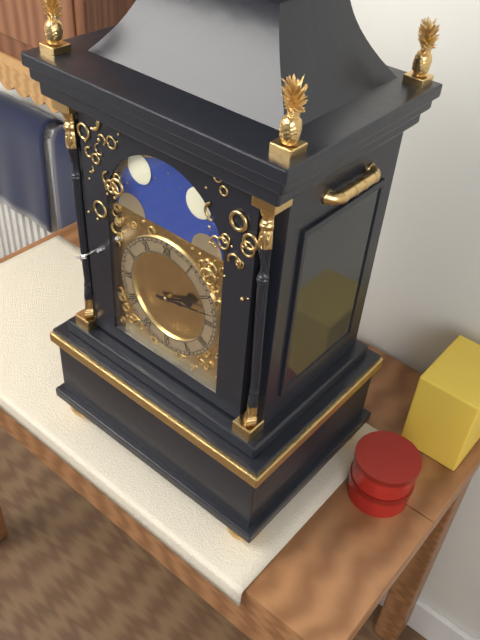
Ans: 2:13
